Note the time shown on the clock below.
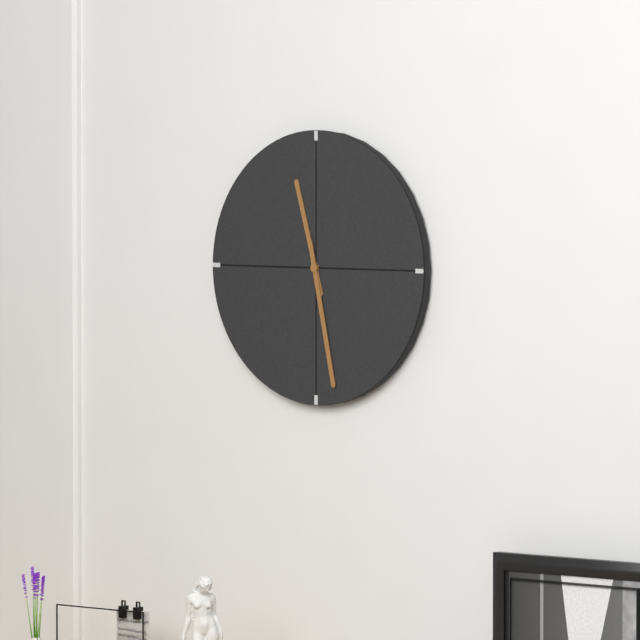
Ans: 11:28
